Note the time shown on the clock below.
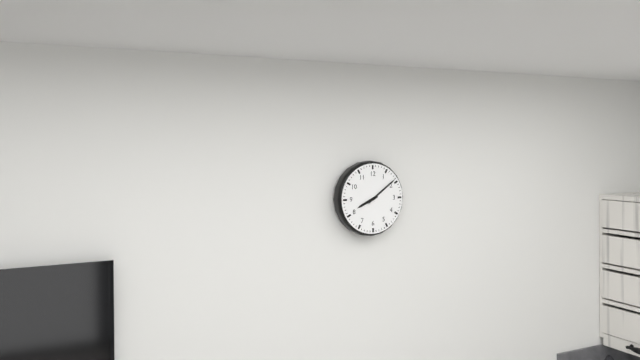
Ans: 8:09
